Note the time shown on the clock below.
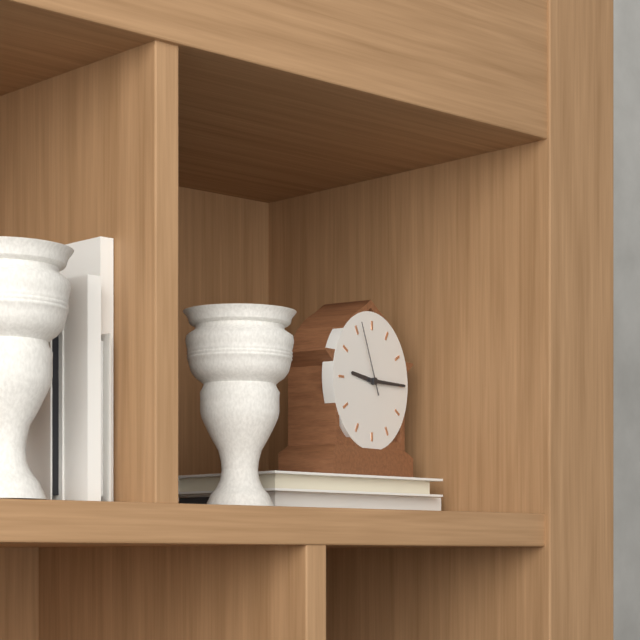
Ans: 9:15:56
